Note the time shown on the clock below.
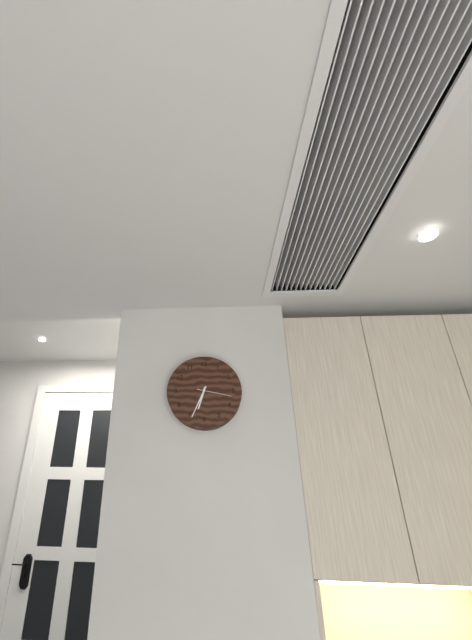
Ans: 6:34
